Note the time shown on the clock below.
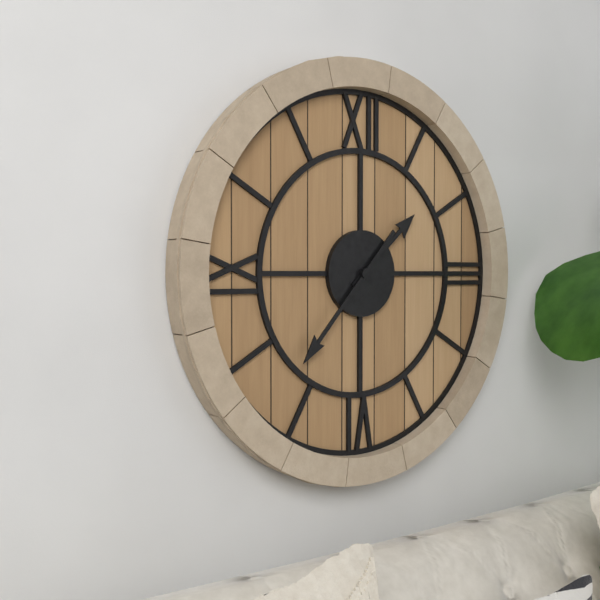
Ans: 1:37
